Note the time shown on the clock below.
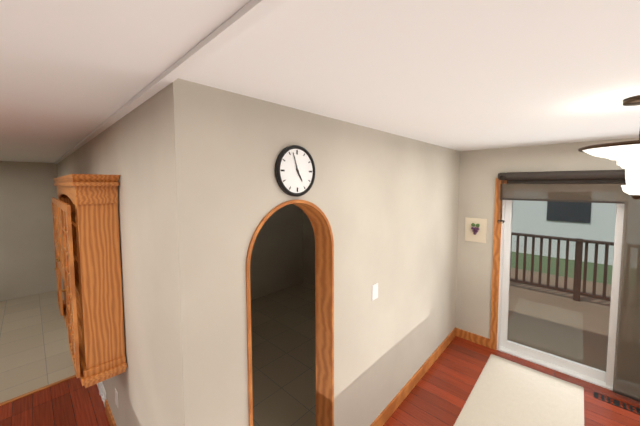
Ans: 4:57
